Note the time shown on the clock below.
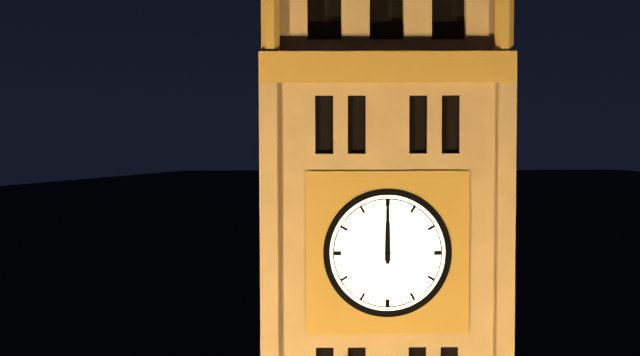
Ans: 12:00
